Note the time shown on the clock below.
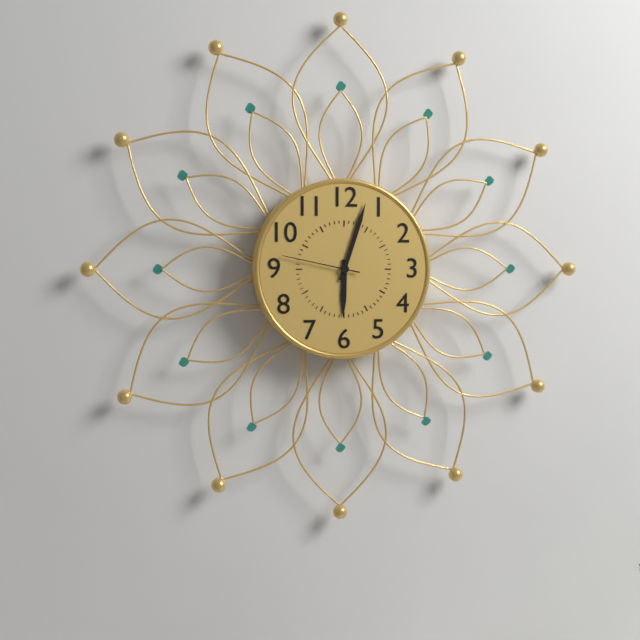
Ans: 6:03:47
